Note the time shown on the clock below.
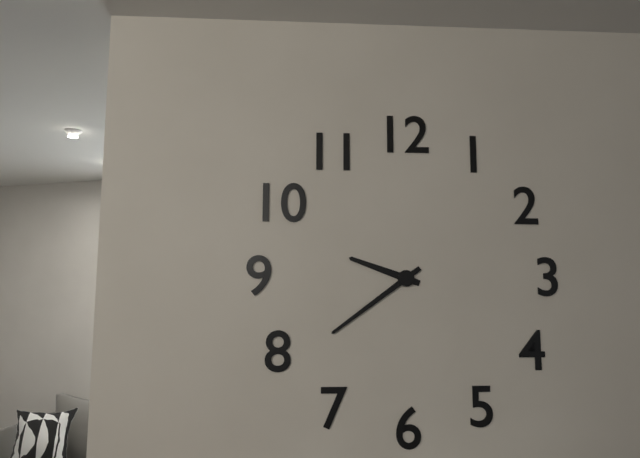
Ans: 9:39
